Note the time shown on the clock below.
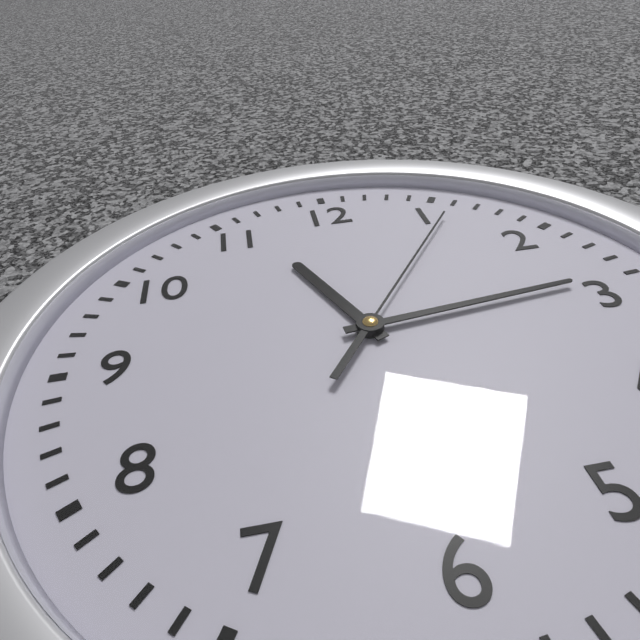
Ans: 11:14:06
